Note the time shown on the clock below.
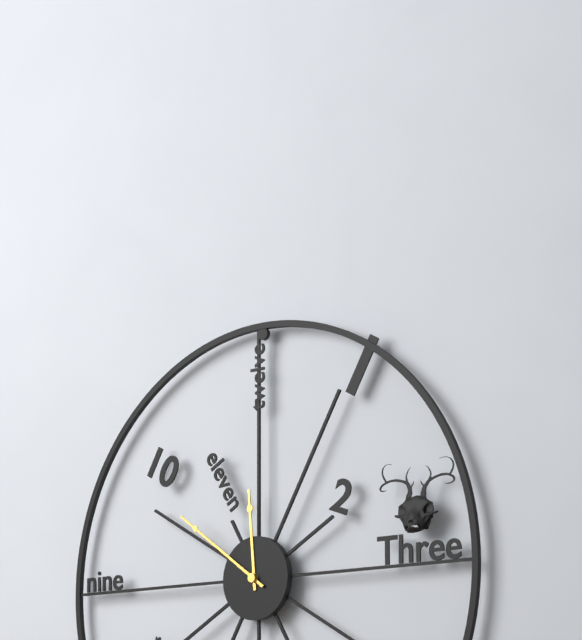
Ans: 11:51
